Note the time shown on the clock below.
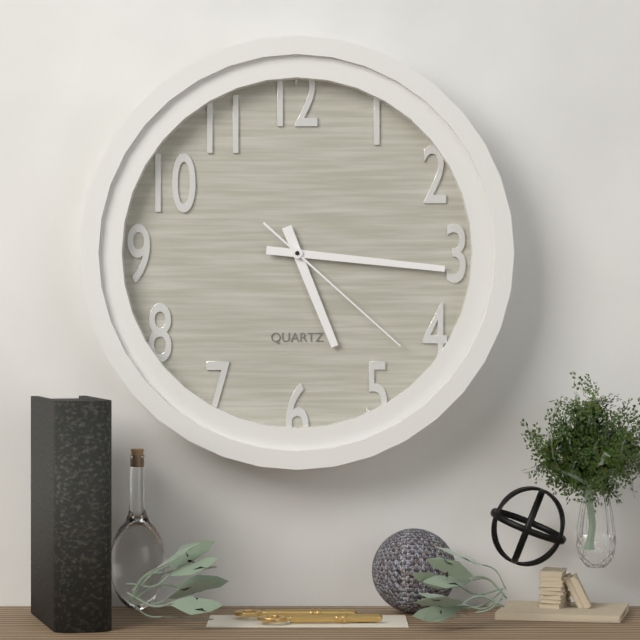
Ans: 5:16:22
